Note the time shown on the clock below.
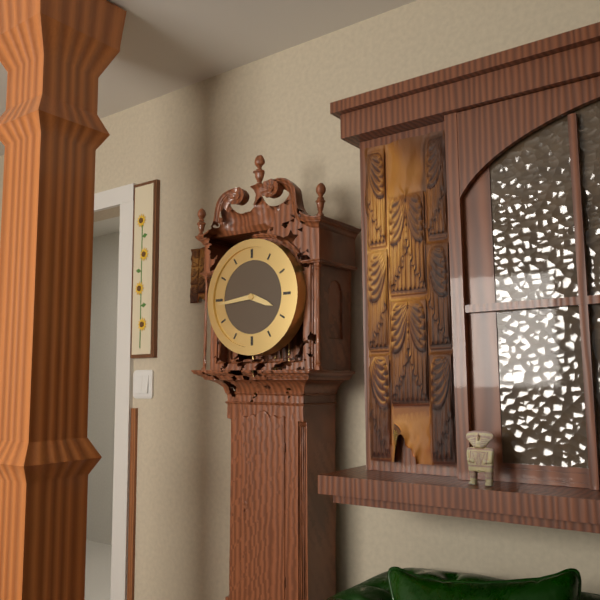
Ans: 3:44
